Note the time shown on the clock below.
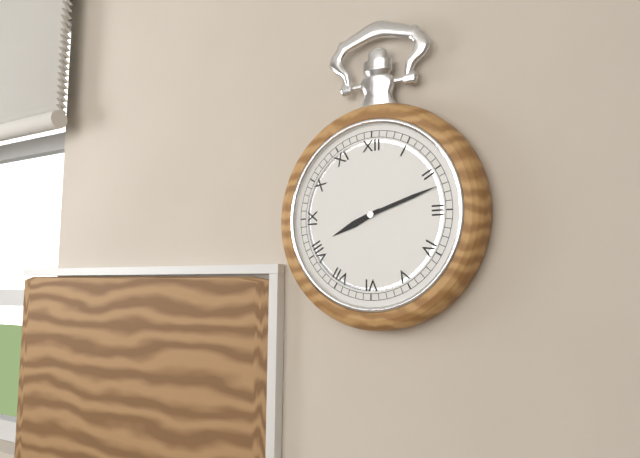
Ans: 8:12
